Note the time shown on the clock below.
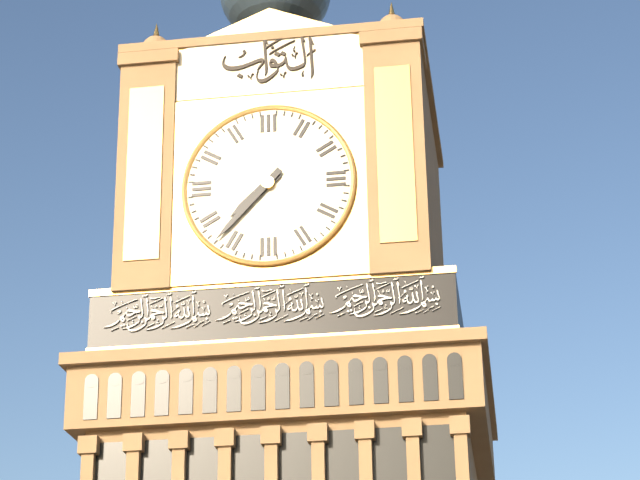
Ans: 7:37
